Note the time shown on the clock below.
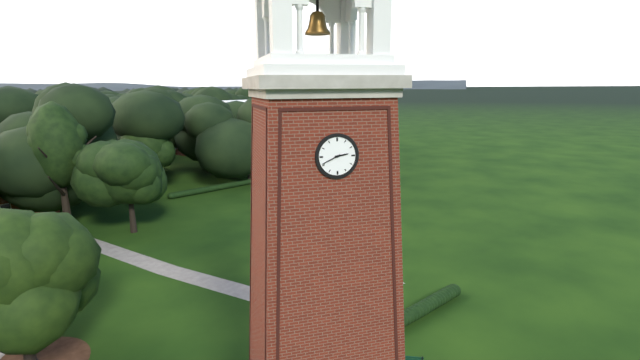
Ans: 2:41
